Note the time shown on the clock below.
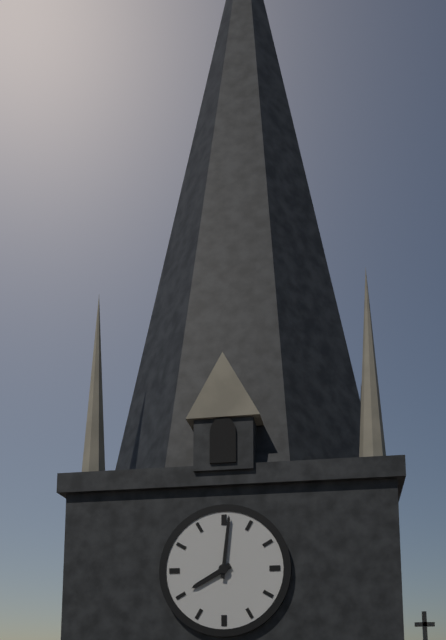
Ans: 8:01
